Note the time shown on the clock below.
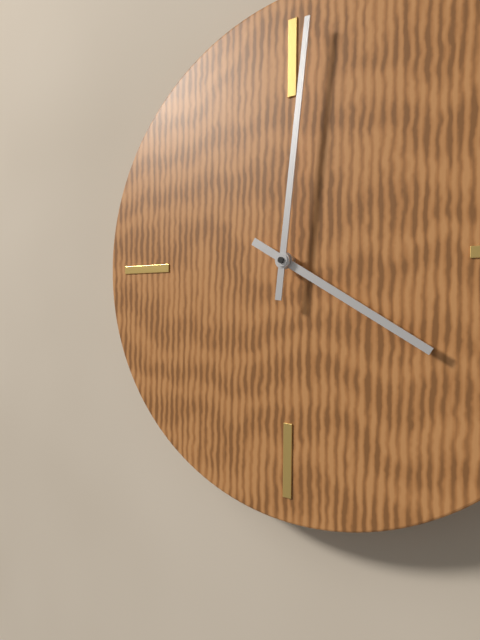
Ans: 4:01
